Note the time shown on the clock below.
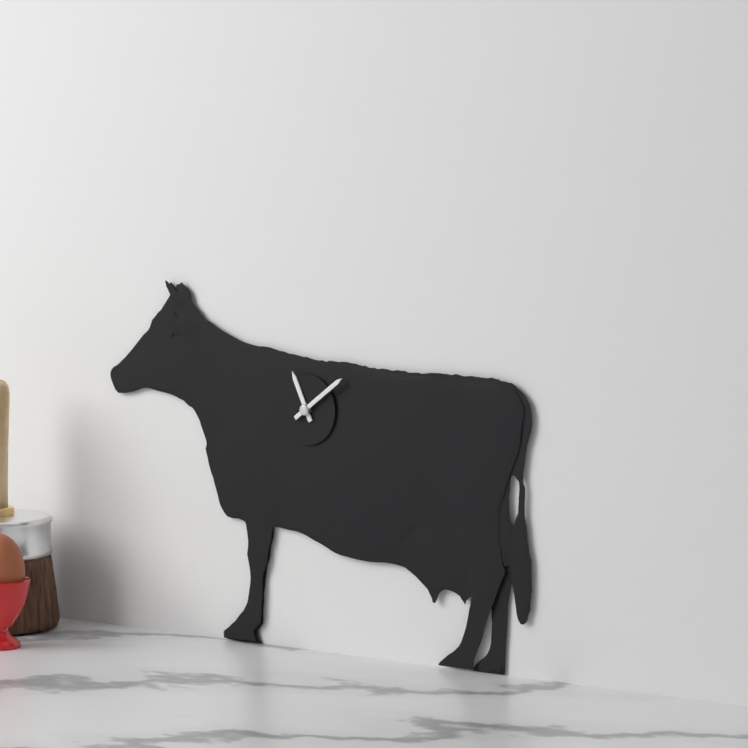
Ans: 11:09
